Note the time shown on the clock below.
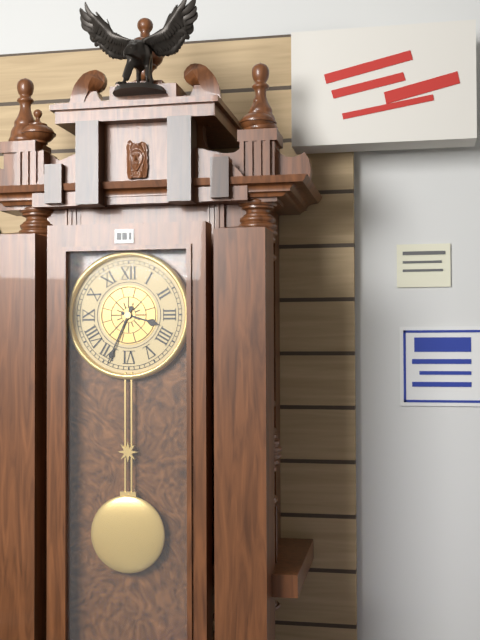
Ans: 3:34
